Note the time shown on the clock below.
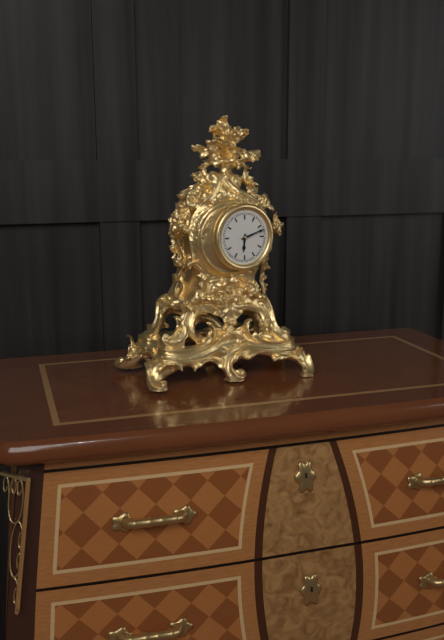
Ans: 6:12
